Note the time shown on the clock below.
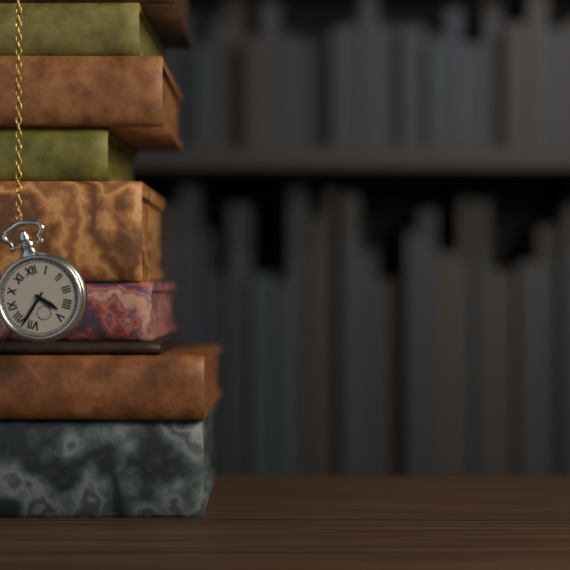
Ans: 4:38
